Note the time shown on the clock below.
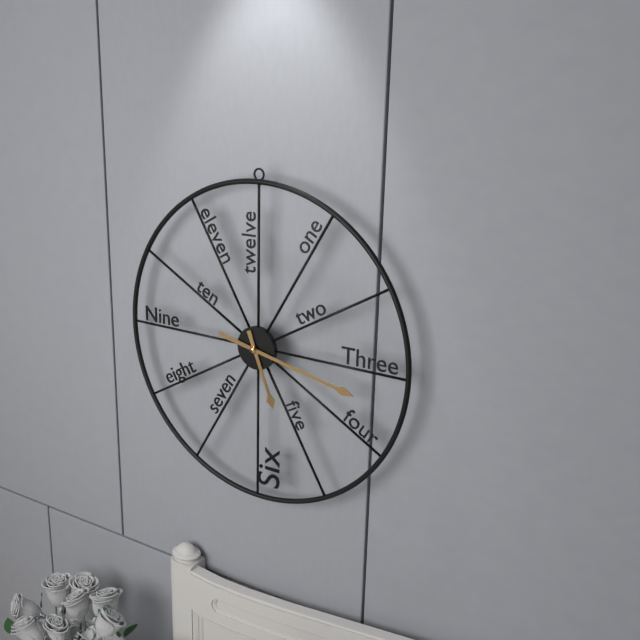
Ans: 5:17
